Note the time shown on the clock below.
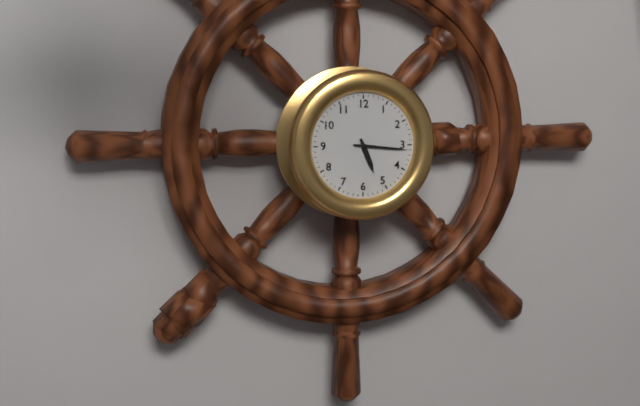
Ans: 5:16
